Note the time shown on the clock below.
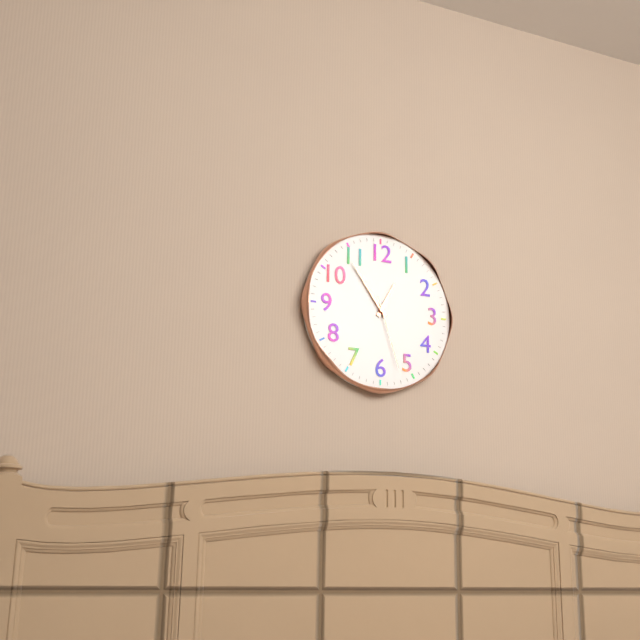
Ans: 12:54:27
